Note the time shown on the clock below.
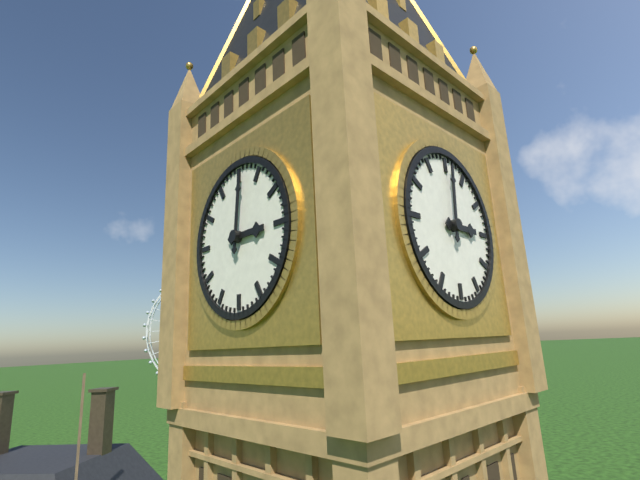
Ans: 3:01
